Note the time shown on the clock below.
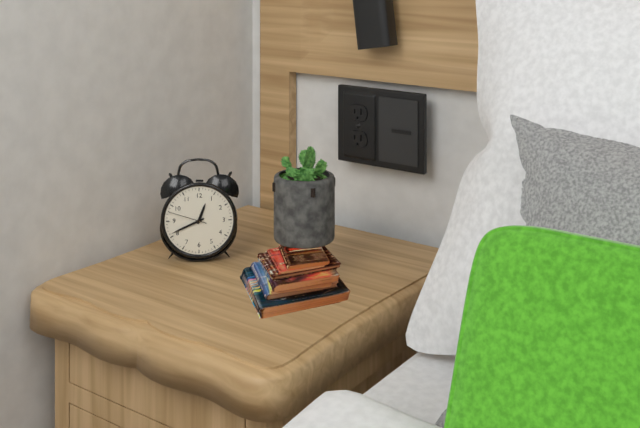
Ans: 12:41
